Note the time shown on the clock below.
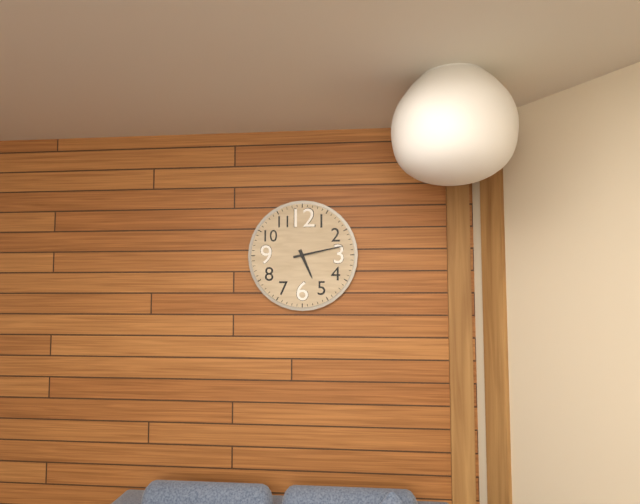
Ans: 5:13
